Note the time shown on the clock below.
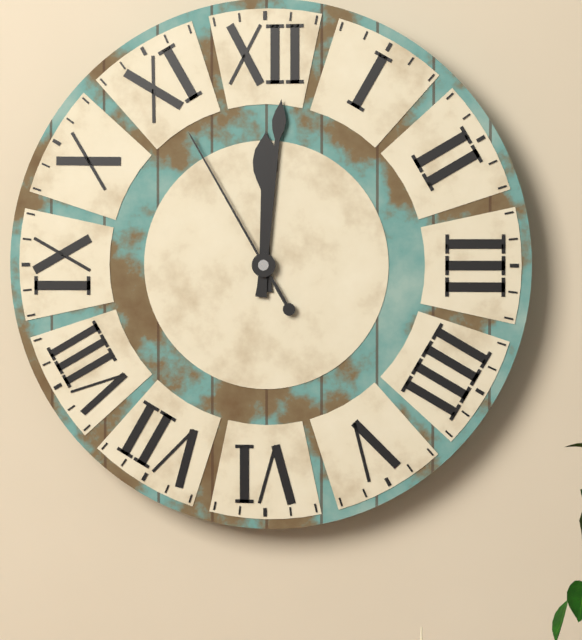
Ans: 12:01:55
